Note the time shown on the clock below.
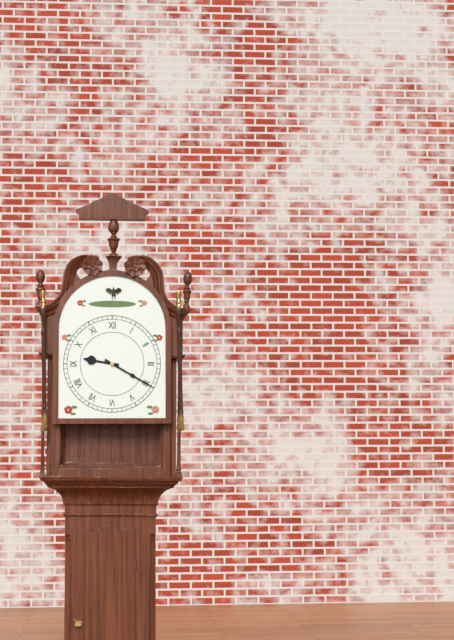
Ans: 9:20
